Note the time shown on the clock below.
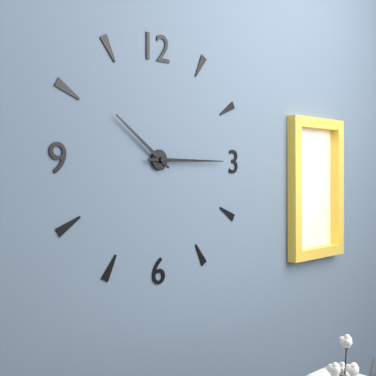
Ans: 10:15
